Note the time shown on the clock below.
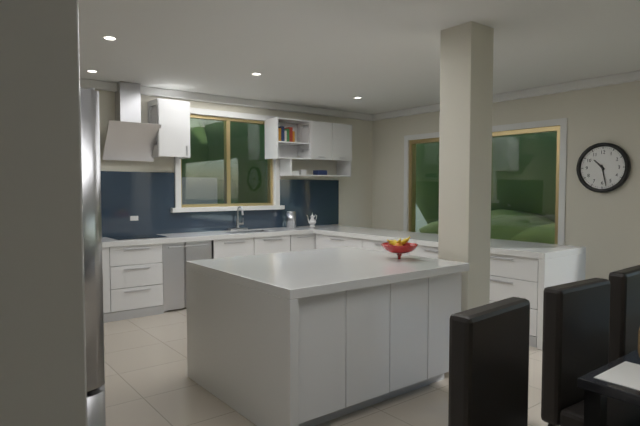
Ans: 10:28
